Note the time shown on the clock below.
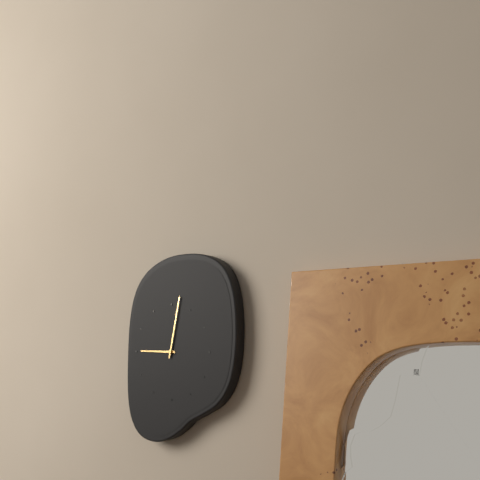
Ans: 9:02
